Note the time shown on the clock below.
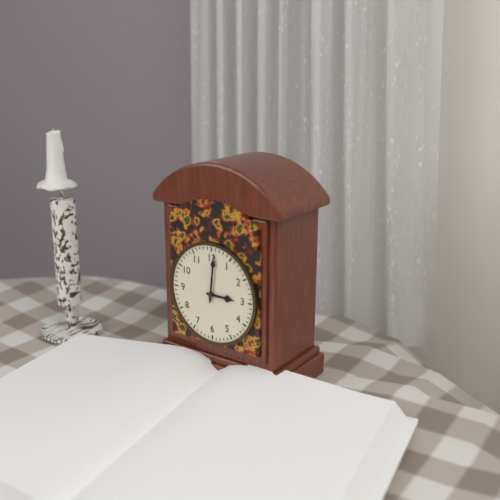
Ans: 3:01
